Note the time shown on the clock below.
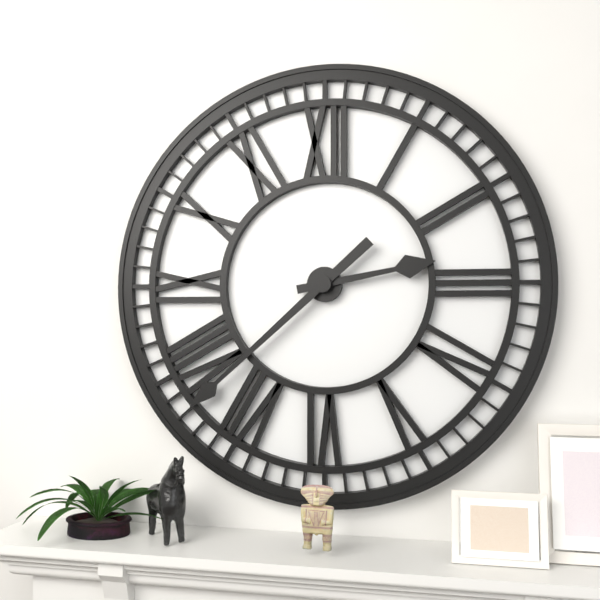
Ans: 2:38
